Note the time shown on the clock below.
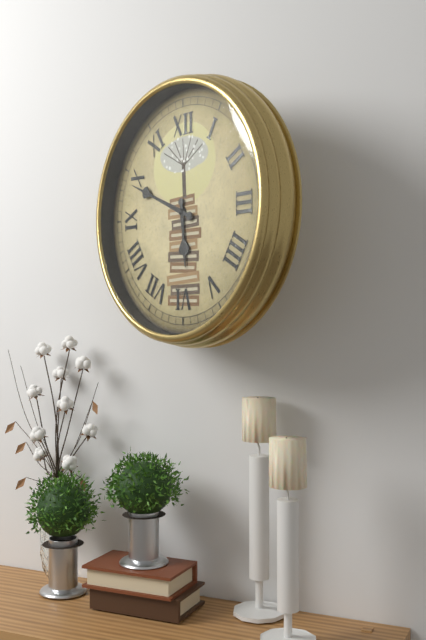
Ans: 5:49
